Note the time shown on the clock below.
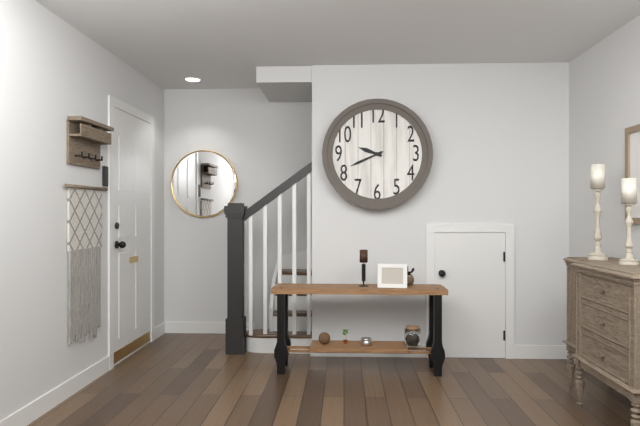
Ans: 9:41
